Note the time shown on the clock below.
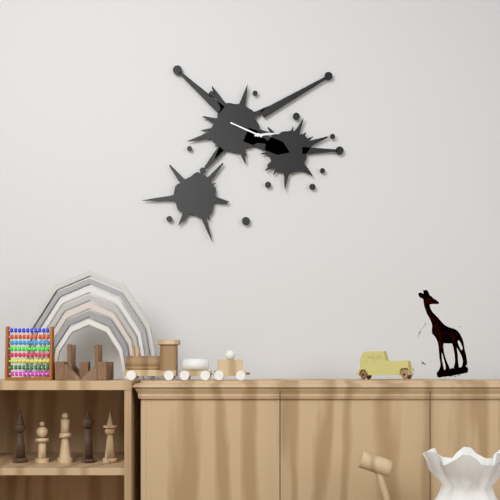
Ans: 2:49
